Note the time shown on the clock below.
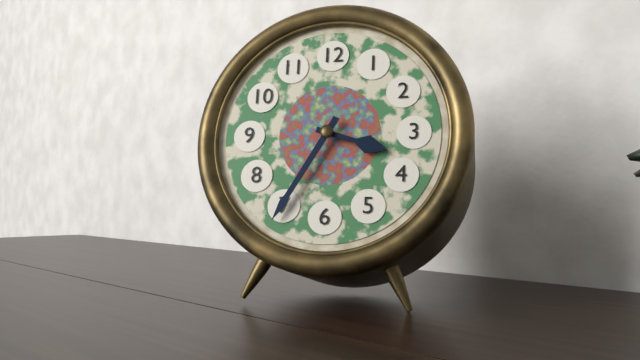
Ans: 3:35
